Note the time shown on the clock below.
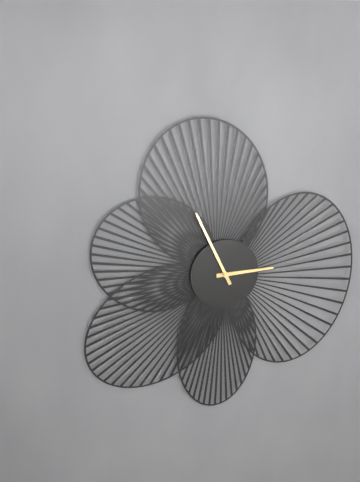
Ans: 2:56
